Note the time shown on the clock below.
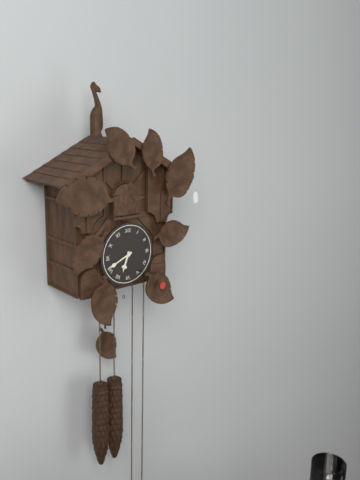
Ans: 6:41
